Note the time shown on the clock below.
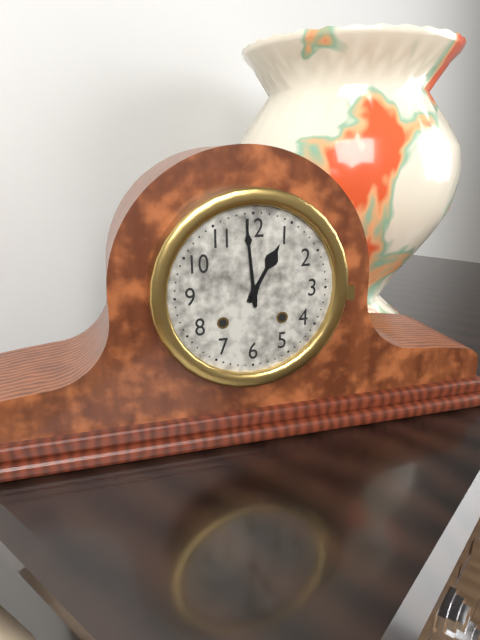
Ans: 12:59
